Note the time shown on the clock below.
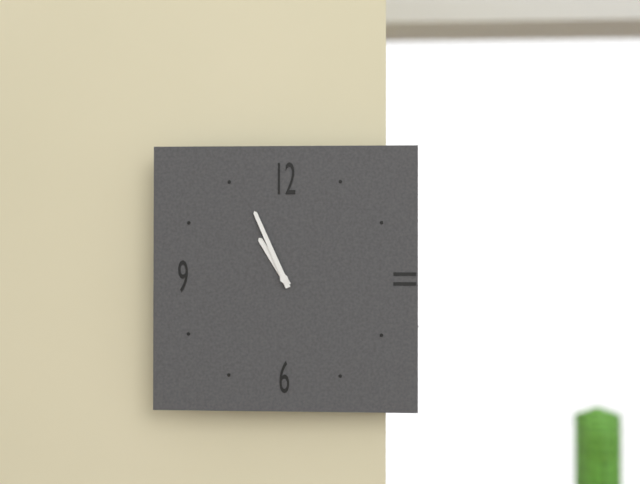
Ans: 10:56
